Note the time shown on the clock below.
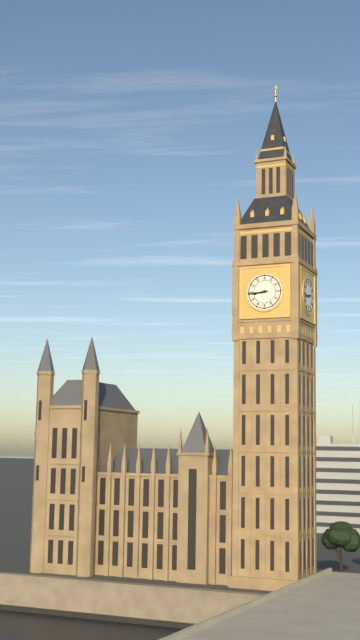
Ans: 8:44
